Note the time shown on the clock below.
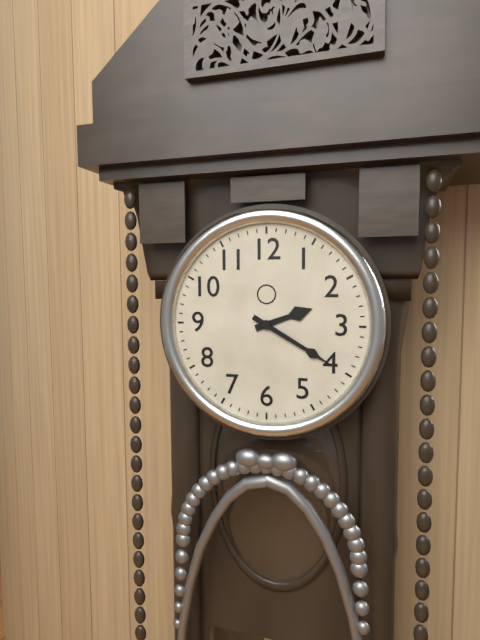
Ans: 2:20
